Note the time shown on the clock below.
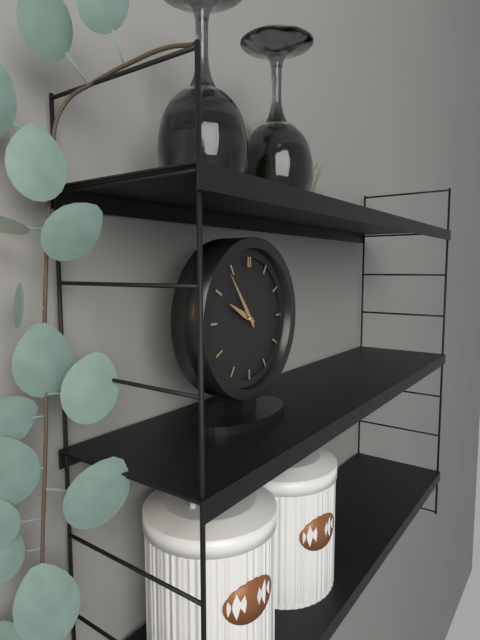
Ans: 9:54
